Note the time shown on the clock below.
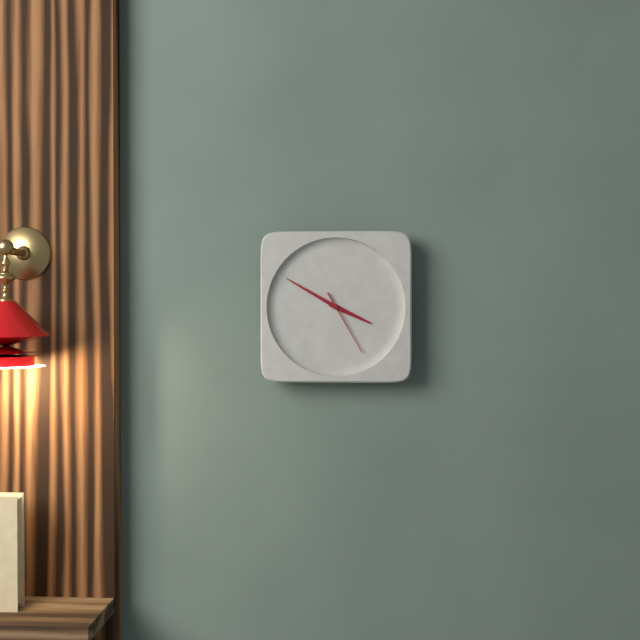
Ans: 3:50:25
